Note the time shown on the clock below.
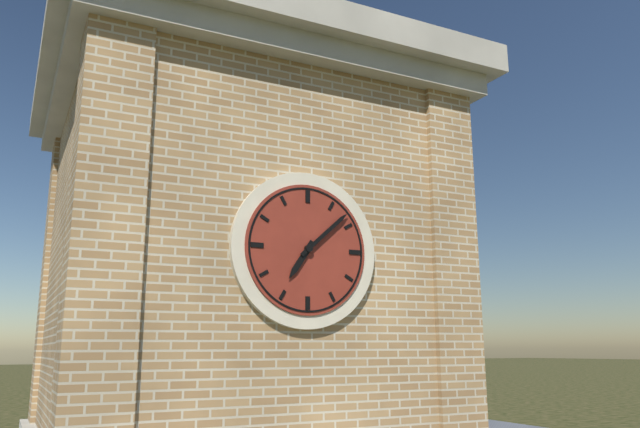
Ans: 7:08
